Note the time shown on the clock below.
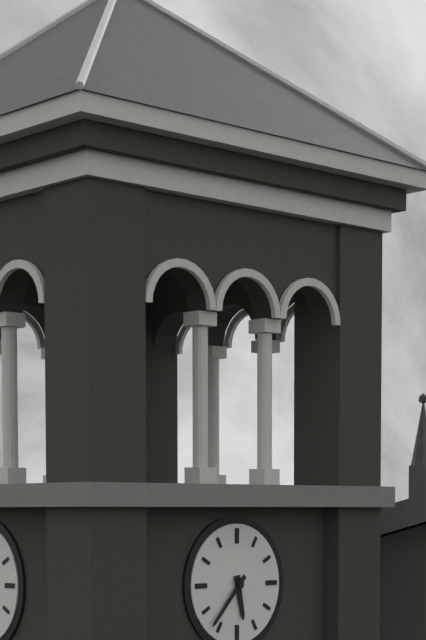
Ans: 5:37
